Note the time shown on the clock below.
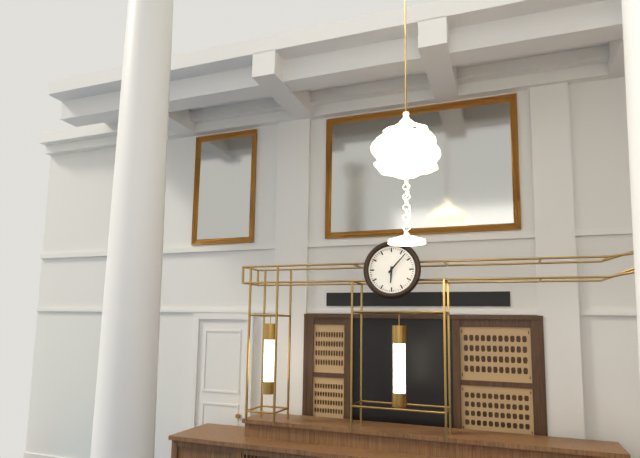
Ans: 6:07
